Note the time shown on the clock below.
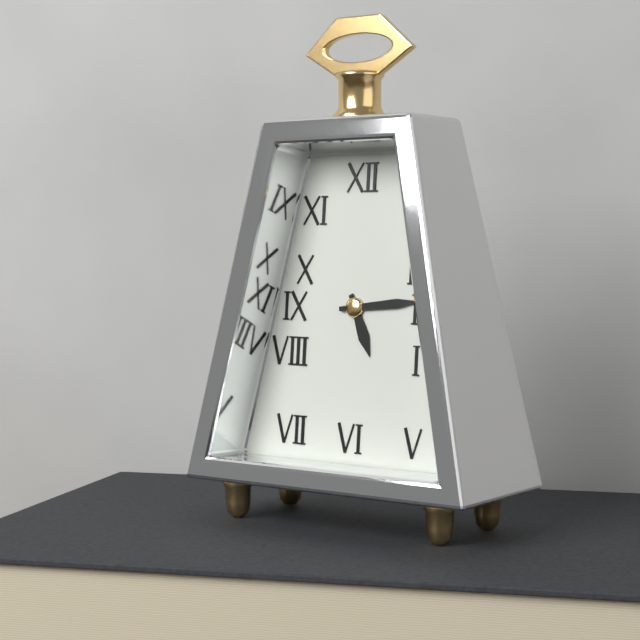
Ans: 5:14
